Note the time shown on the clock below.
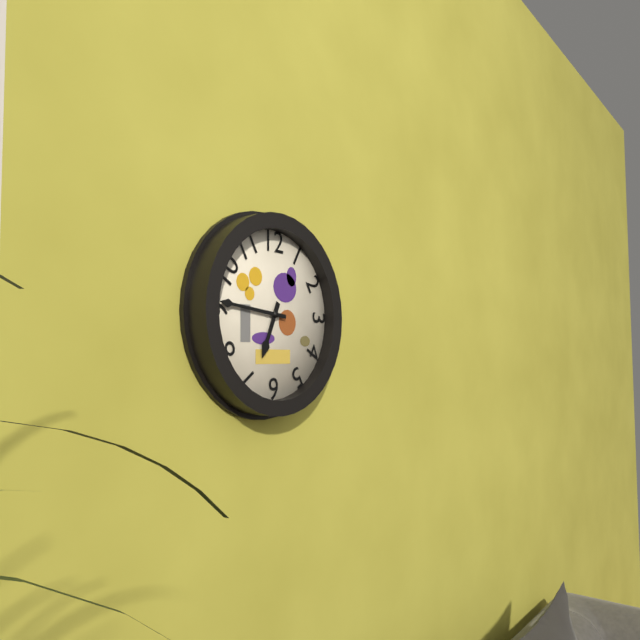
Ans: 6:46
